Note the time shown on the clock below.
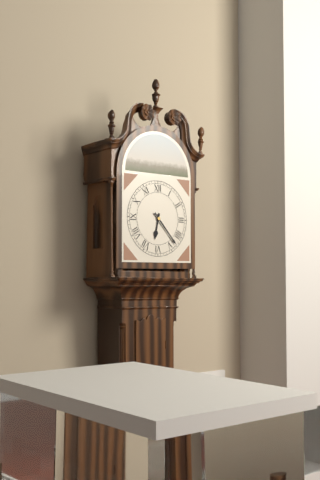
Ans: 6:23
